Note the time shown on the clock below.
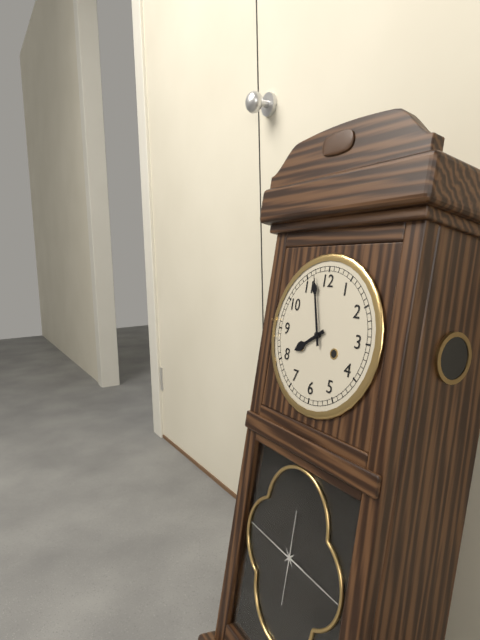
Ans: 7:57
